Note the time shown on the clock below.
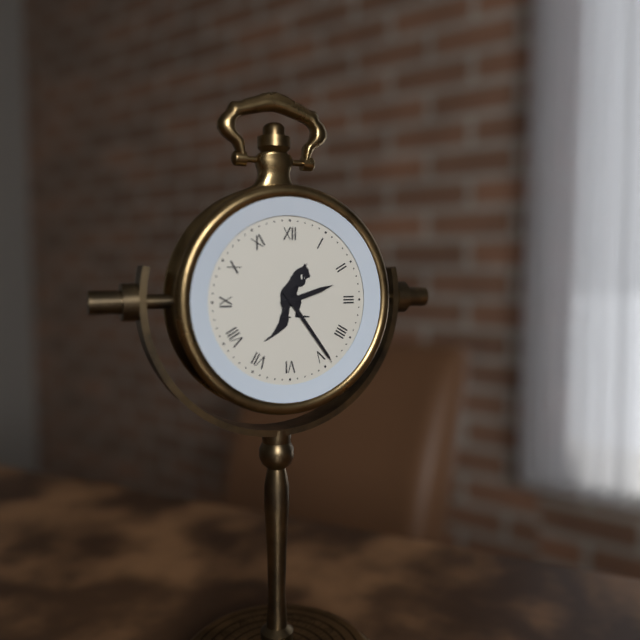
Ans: 2:24
